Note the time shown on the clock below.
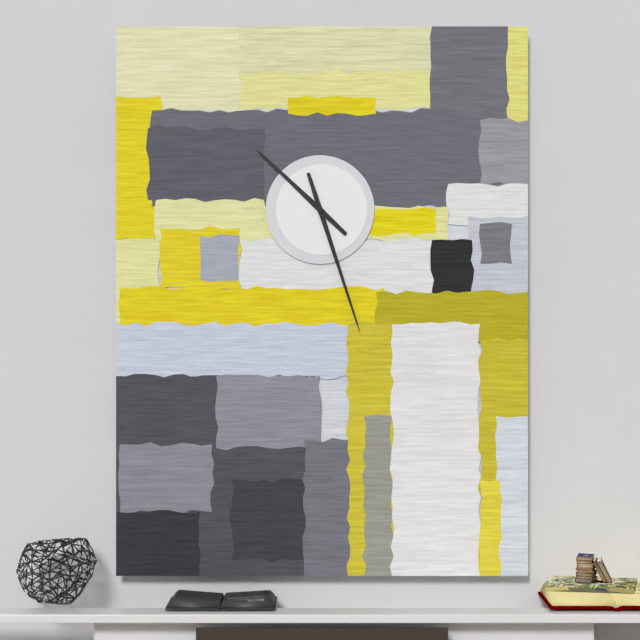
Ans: 10:27
